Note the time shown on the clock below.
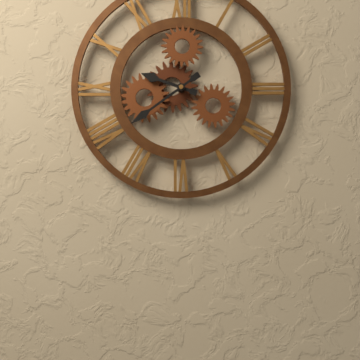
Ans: 9:39
